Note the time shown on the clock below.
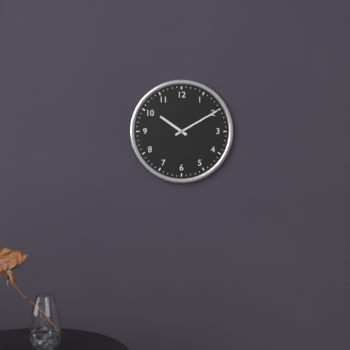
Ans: 10:10
